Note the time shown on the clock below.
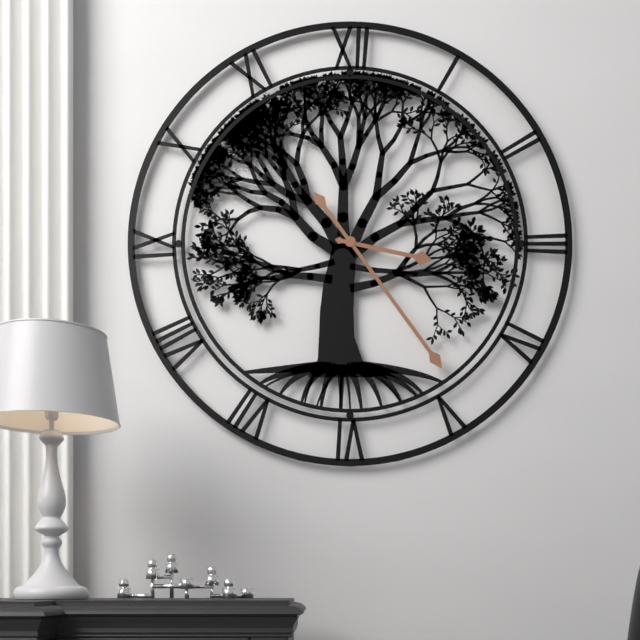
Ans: 3:24
